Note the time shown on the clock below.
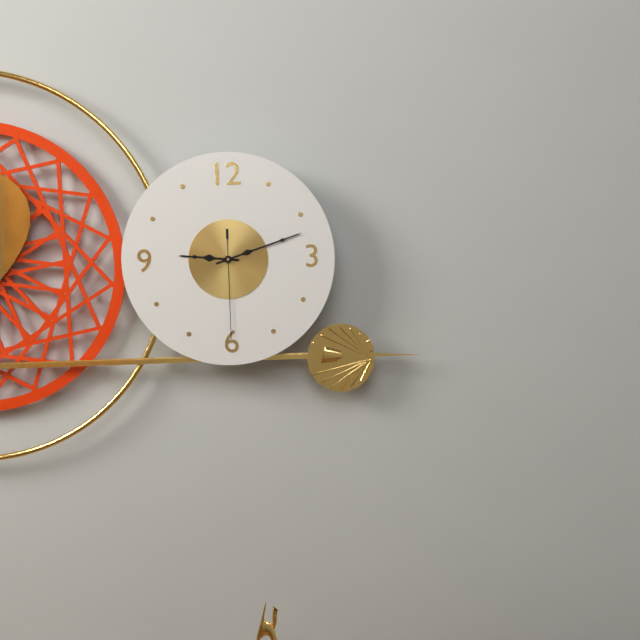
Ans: 9:12:30
